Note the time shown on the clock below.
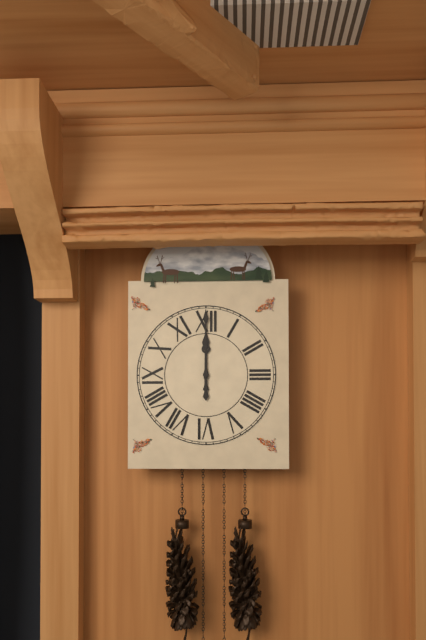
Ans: 12:00
